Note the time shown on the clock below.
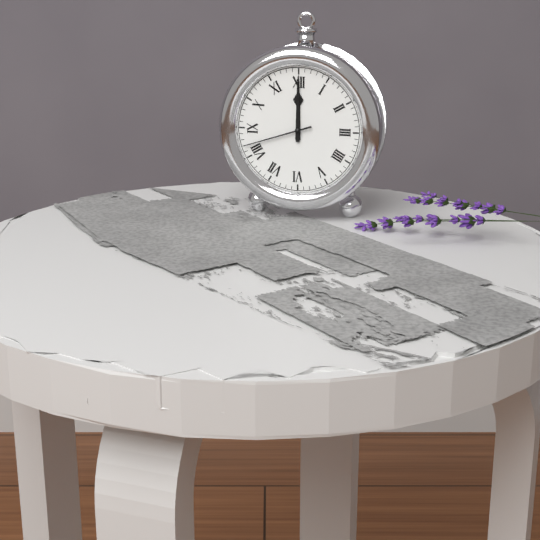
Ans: 12:00:42
